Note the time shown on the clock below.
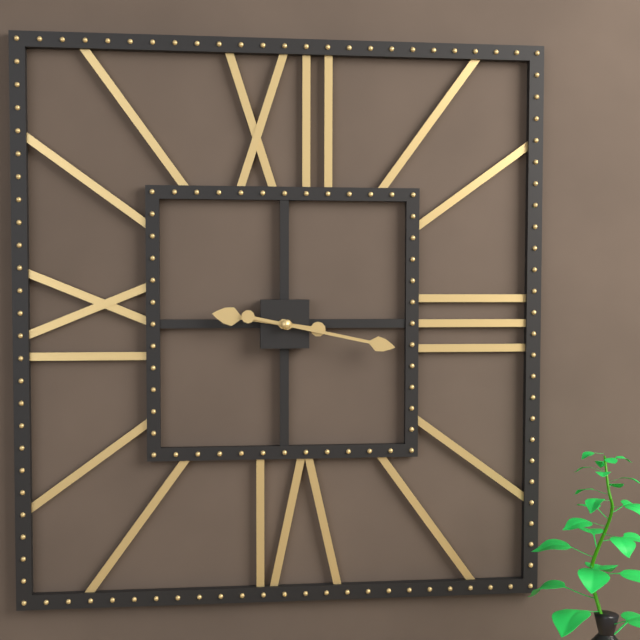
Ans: 9:17
